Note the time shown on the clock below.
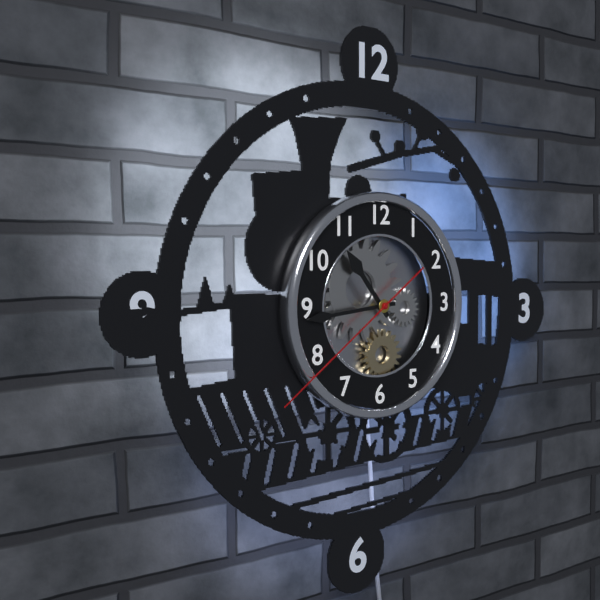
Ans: 10:44:39
